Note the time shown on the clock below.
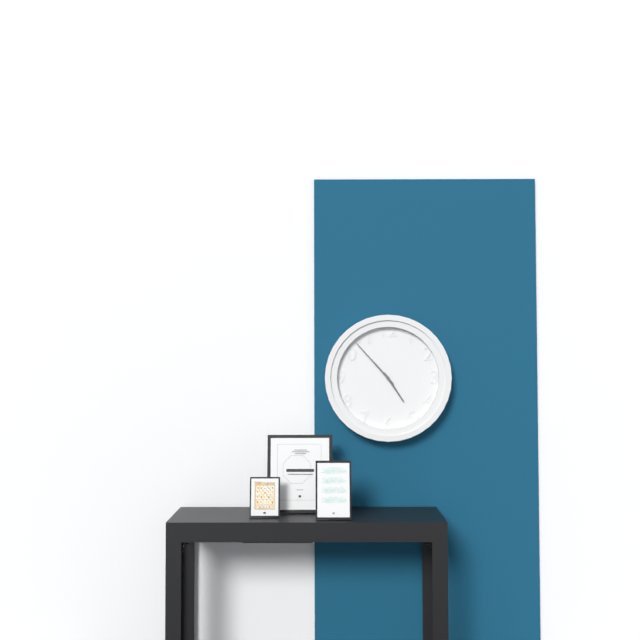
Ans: 4:53
